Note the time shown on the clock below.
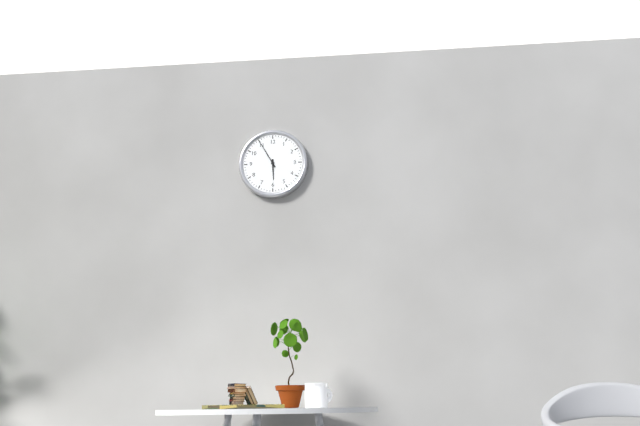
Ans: 5:55
